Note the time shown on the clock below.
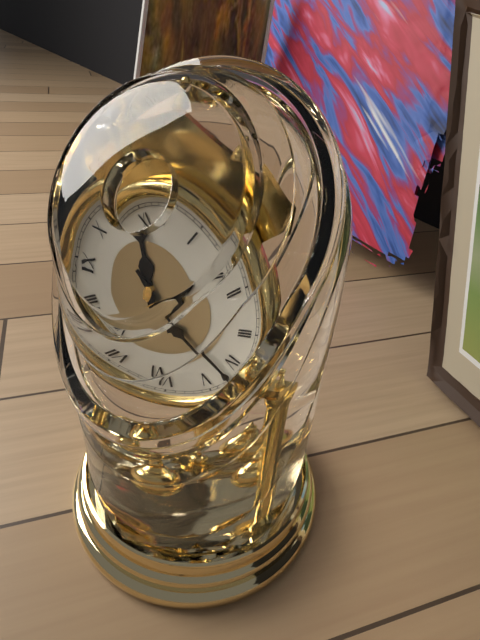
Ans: 11:22
